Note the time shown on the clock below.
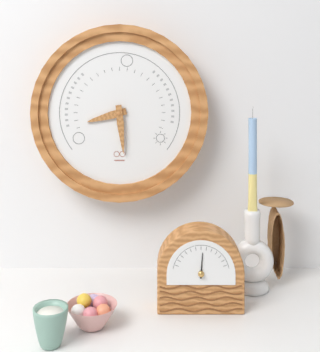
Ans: 8:29
